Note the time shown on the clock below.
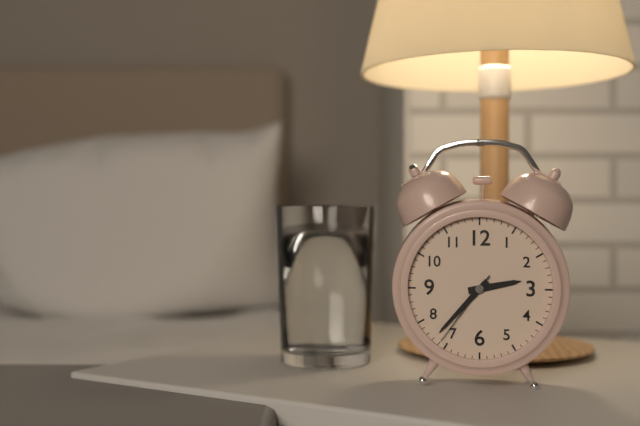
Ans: 2:37:36
